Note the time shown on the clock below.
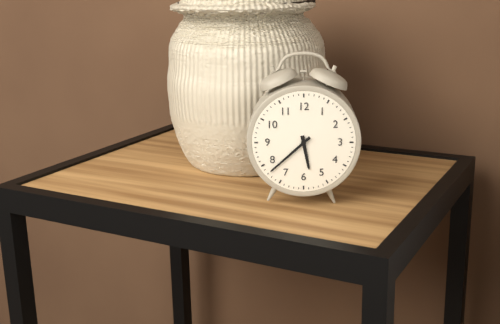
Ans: 5:38
